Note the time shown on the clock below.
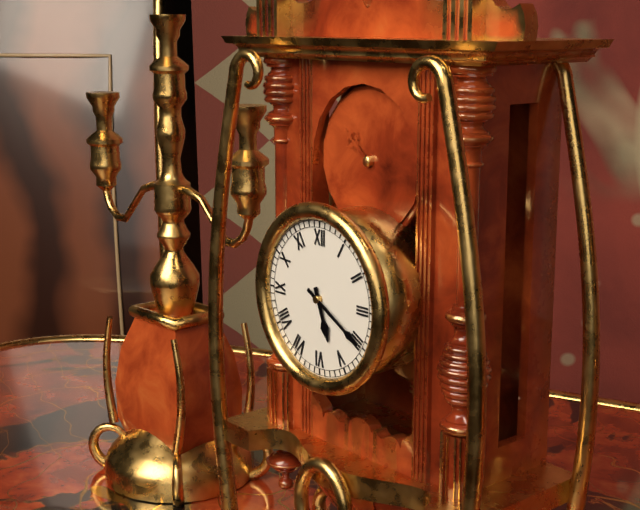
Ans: 5:20
